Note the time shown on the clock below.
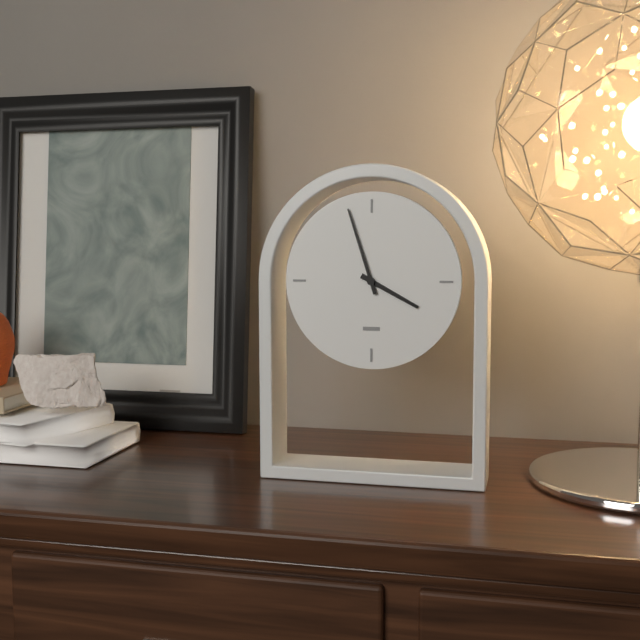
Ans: 3:57
